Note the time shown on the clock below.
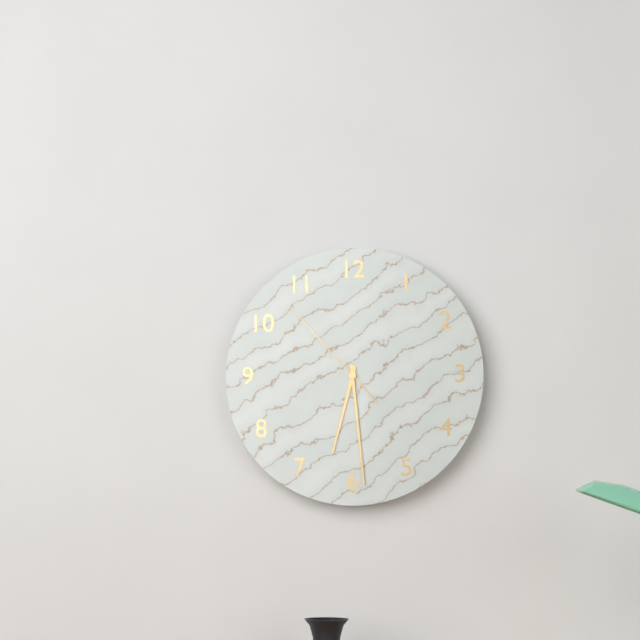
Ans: 6:29:53
